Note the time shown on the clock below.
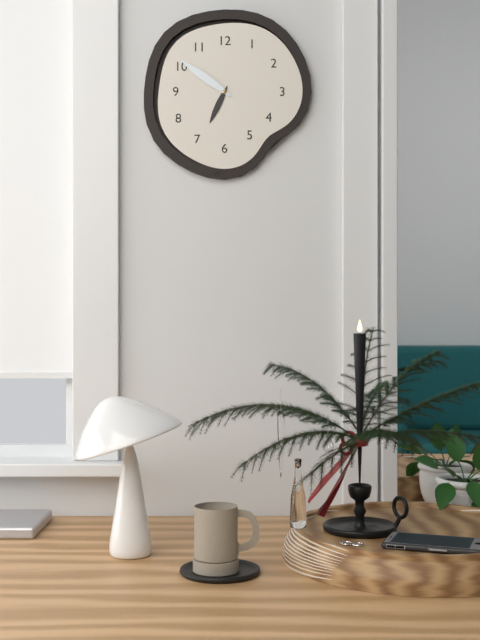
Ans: 6:51
